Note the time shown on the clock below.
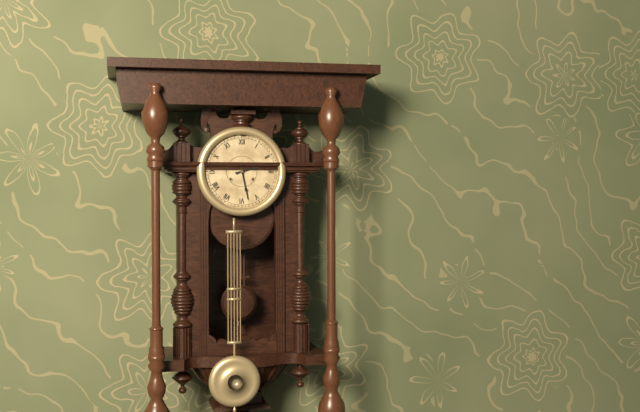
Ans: 2:28
